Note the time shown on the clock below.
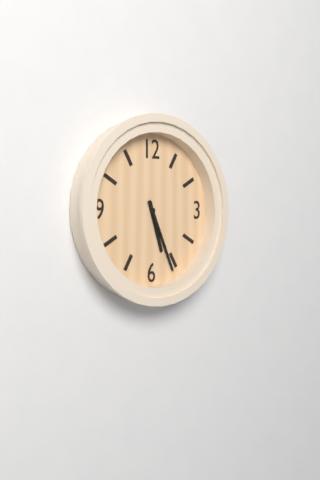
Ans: 5:26
